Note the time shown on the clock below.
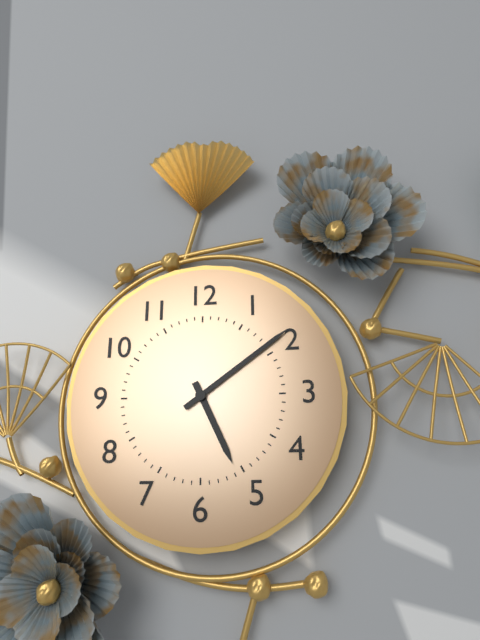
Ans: 5:09
